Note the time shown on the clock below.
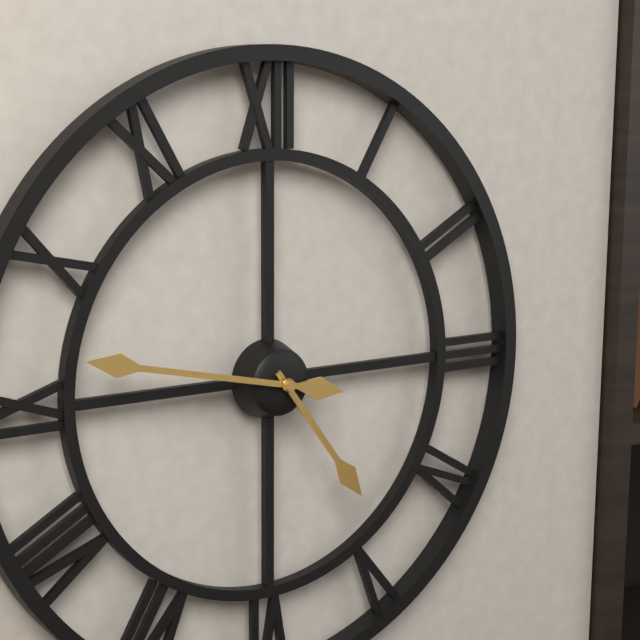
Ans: 4:47
